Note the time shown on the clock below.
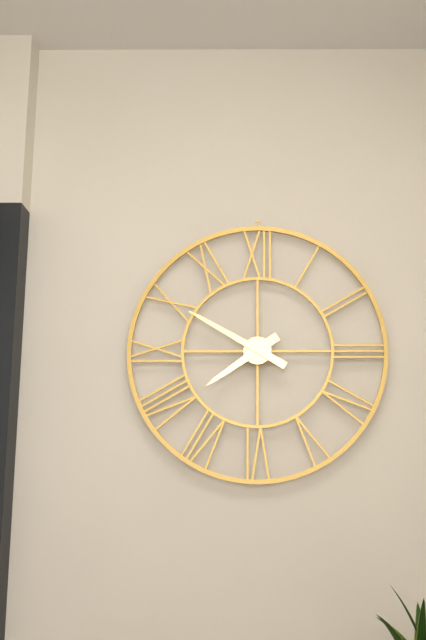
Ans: 7:50
